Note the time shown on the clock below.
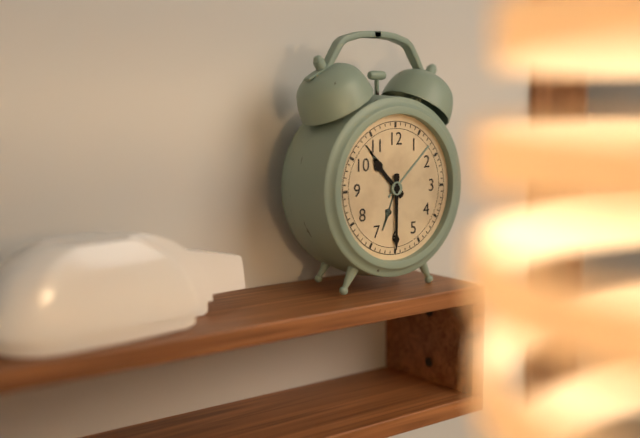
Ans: 10:30
